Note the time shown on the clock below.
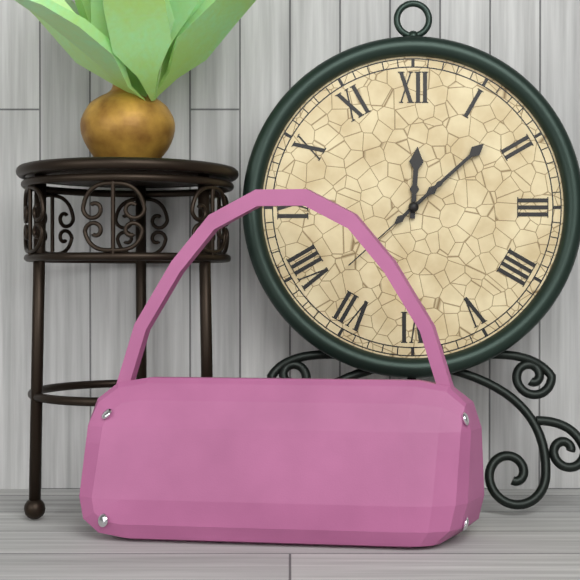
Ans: 12:08:38
